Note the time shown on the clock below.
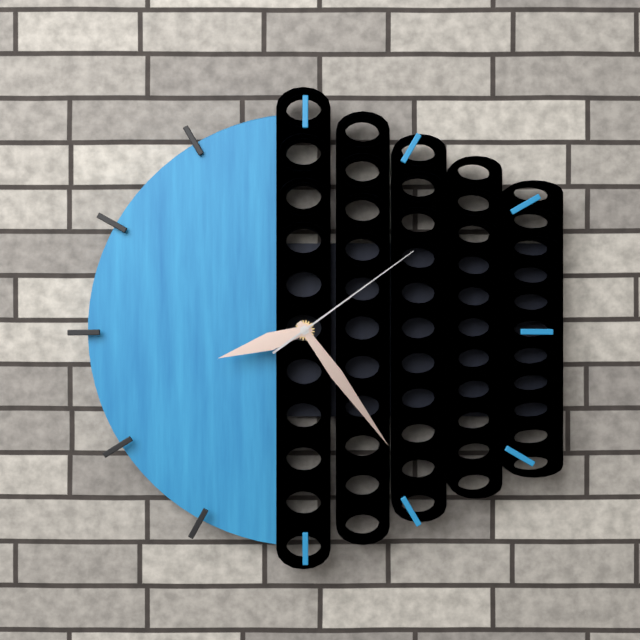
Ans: 8:24:09
